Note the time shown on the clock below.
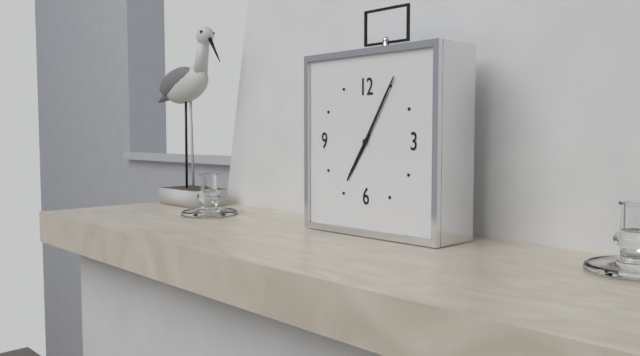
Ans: 7:05
